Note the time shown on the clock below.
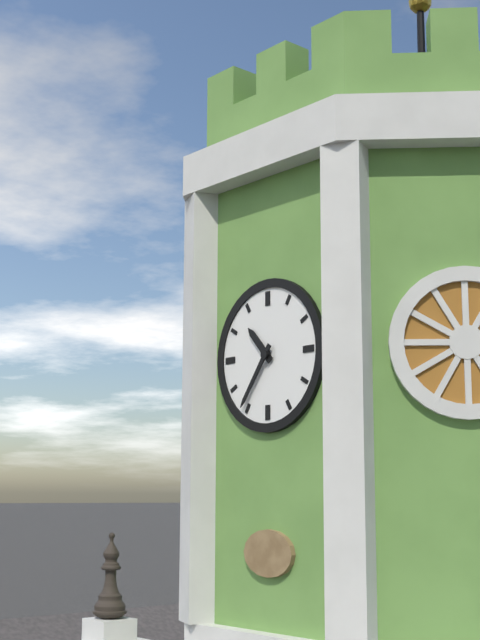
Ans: 10:36
